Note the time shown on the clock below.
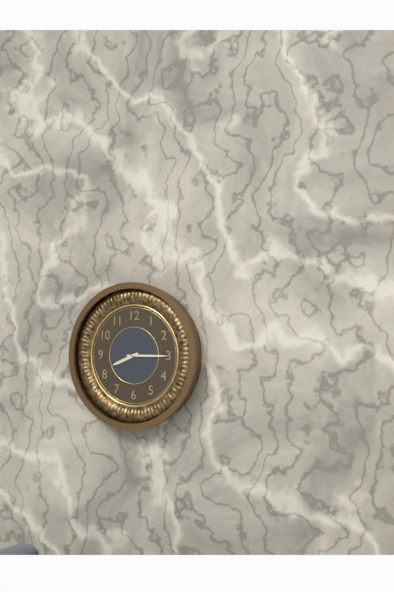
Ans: 8:15
